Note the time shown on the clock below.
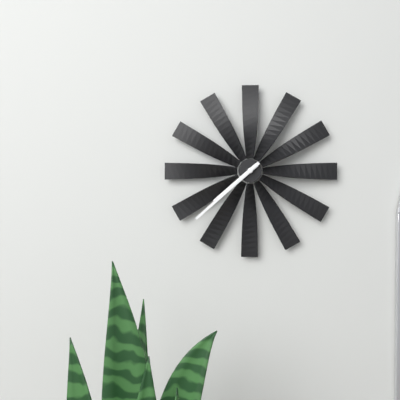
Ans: 7:38
